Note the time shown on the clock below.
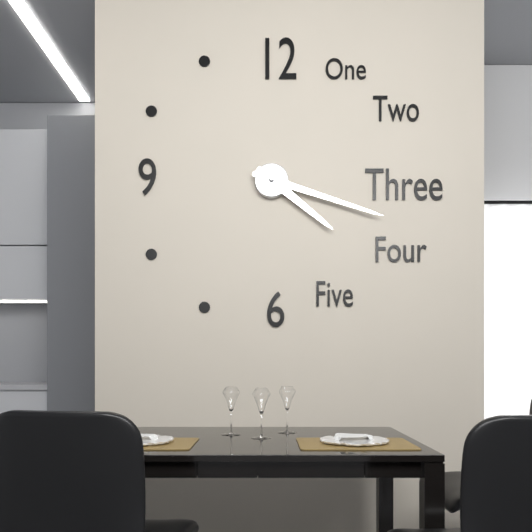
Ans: 4:18
